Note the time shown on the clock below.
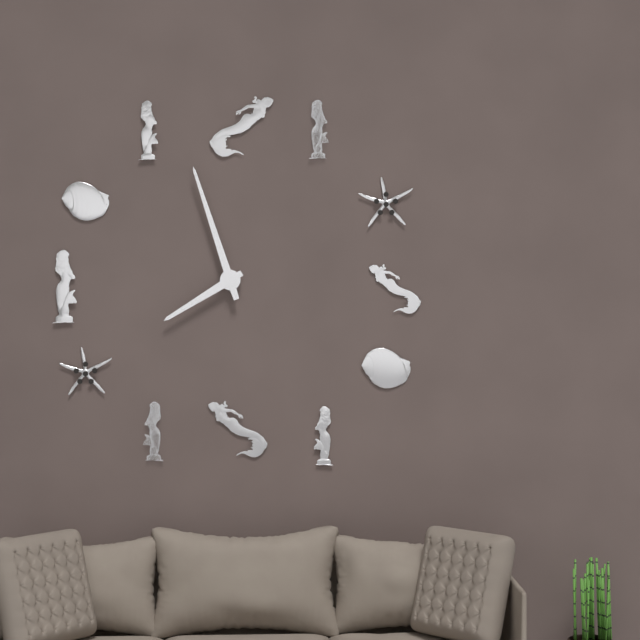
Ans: 7:57
